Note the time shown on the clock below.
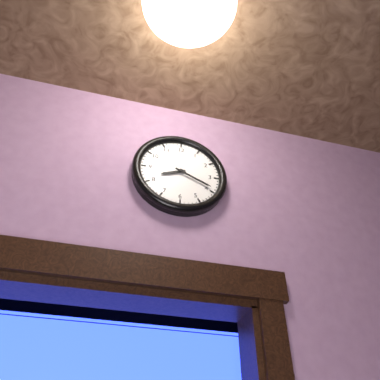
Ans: 8:19
